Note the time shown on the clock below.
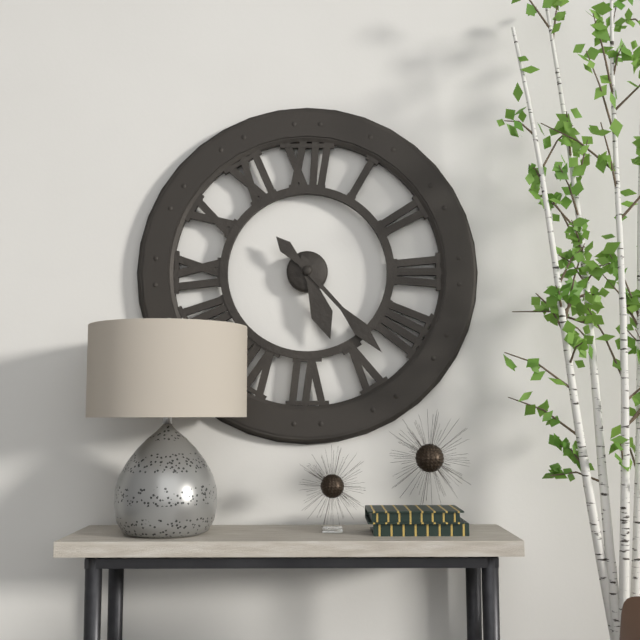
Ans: 5:23
